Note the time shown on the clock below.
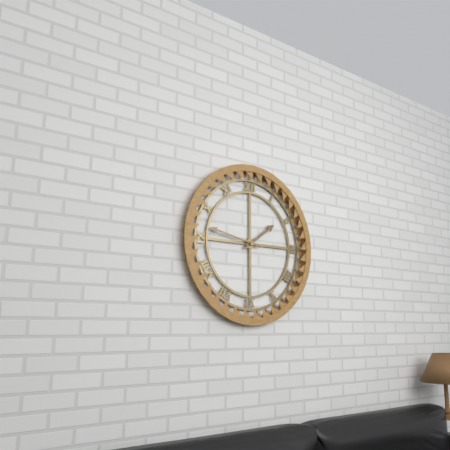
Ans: 1:47
